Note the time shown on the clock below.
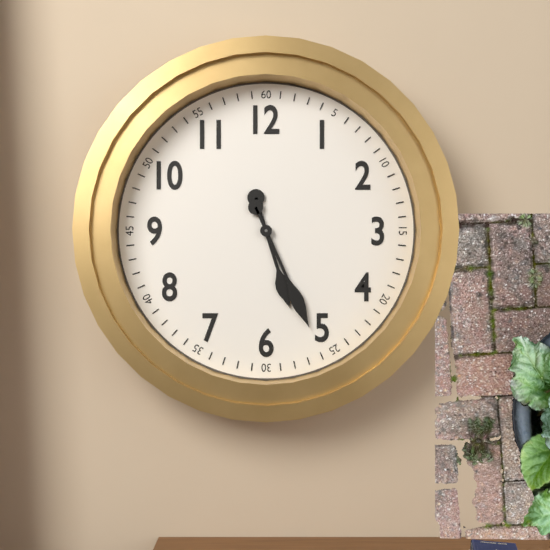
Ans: 5:26
